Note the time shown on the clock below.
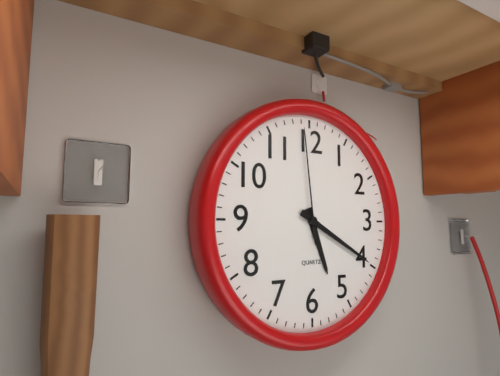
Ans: 5:20:59
